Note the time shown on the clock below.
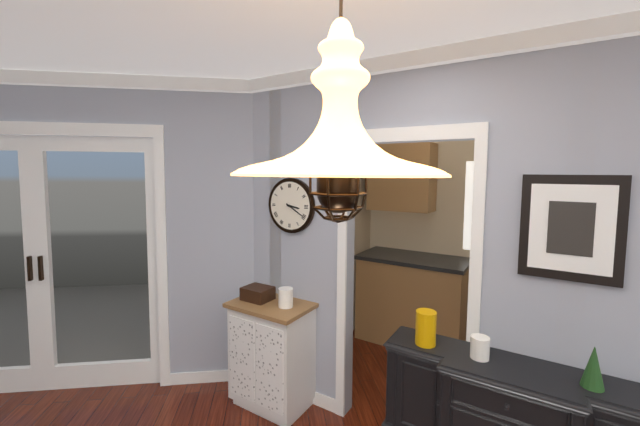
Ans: 3:20
